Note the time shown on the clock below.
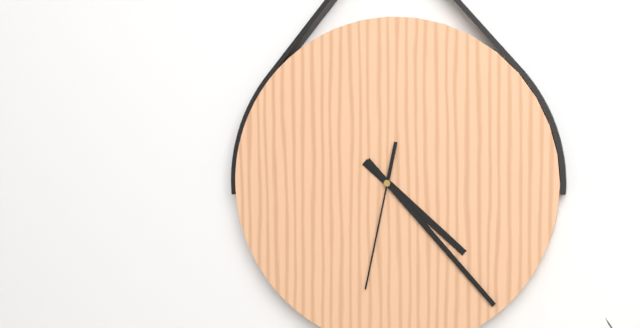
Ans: 4:23:32
